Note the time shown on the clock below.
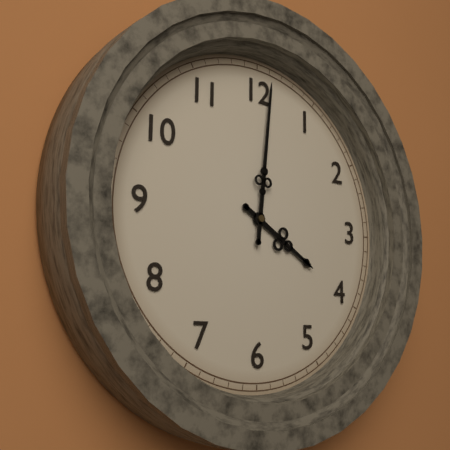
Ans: 4:01
